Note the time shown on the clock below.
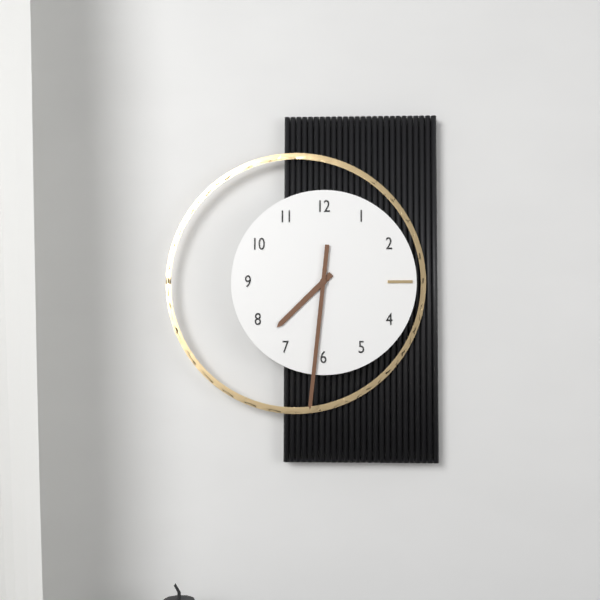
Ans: 7:31
